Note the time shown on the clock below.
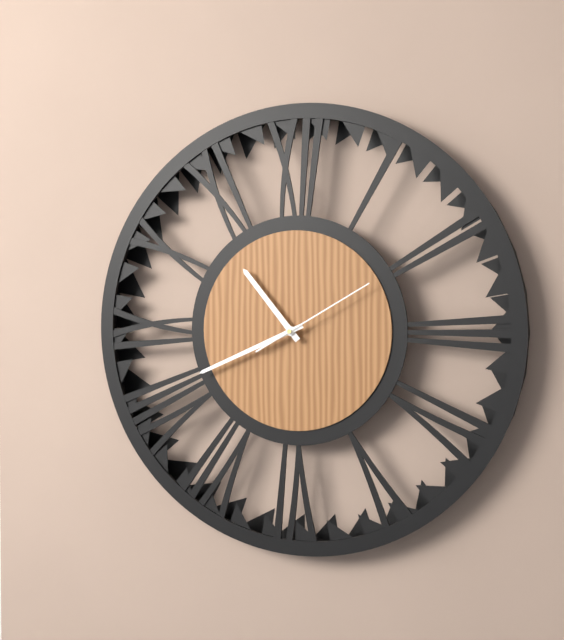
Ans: 10:41:10
